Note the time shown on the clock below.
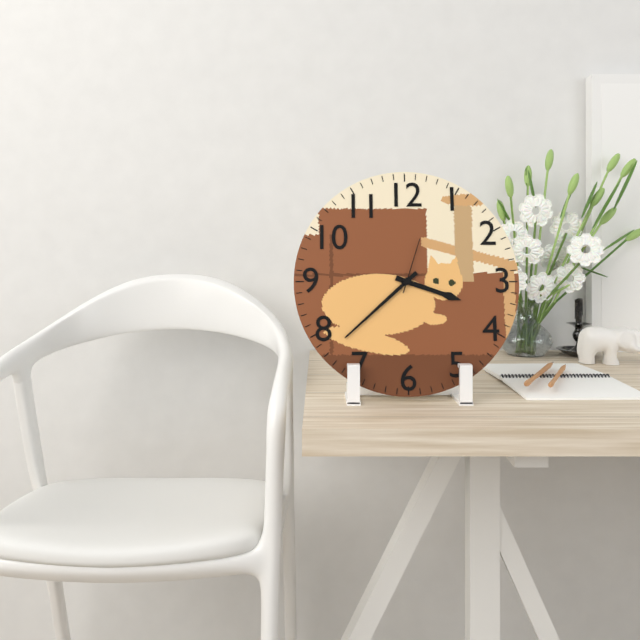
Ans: 3:38:03
